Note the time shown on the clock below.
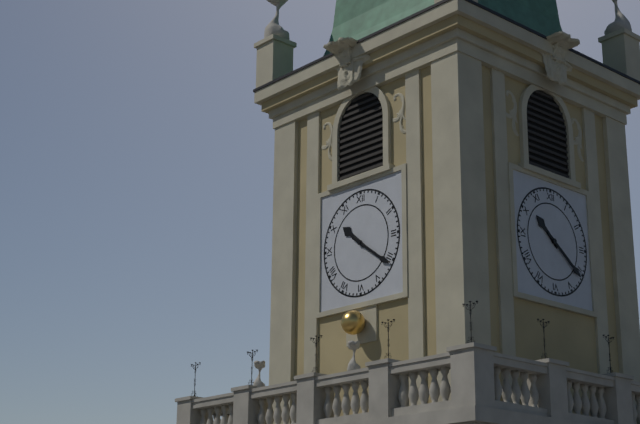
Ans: 10:21
